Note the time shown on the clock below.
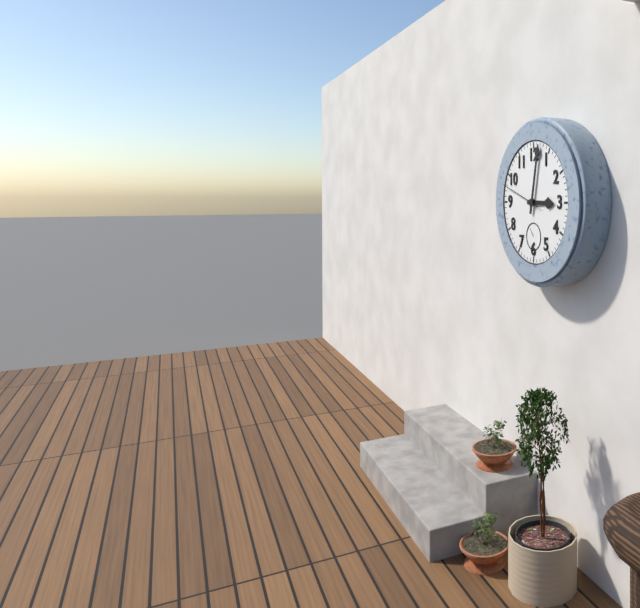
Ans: 3:02
